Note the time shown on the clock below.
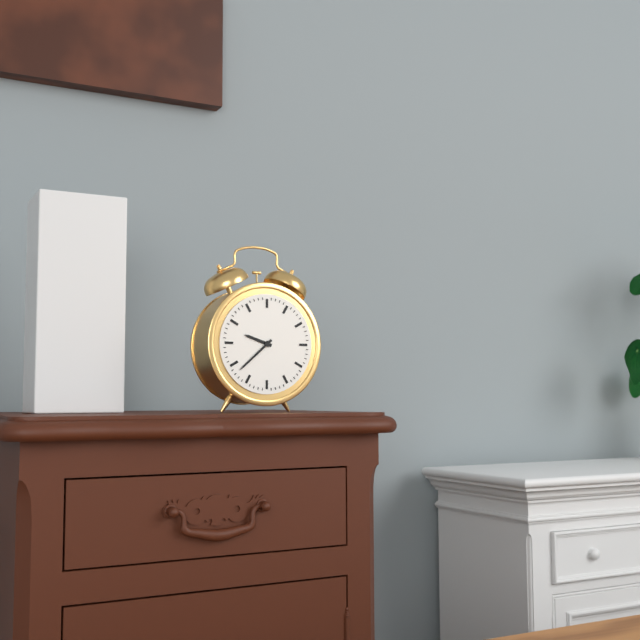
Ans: 9:38
